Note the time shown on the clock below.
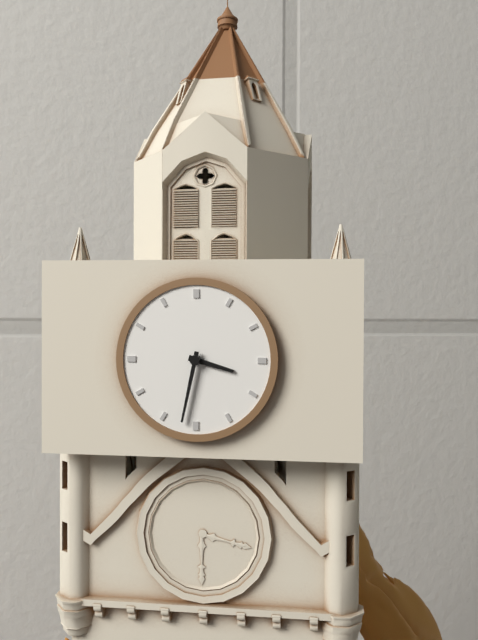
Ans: 3:32
